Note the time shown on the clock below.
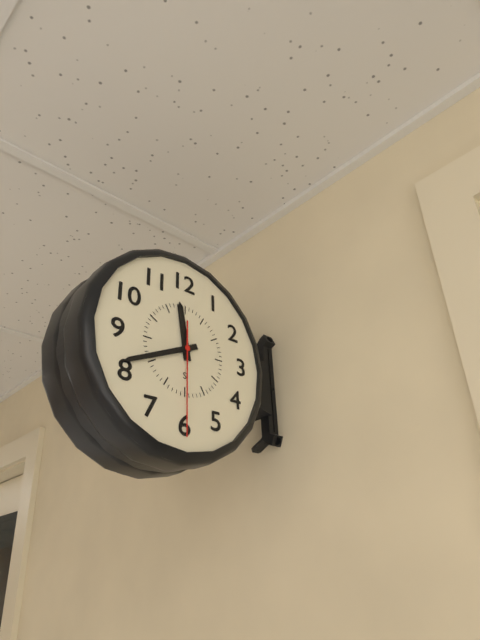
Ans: 11:41:30
